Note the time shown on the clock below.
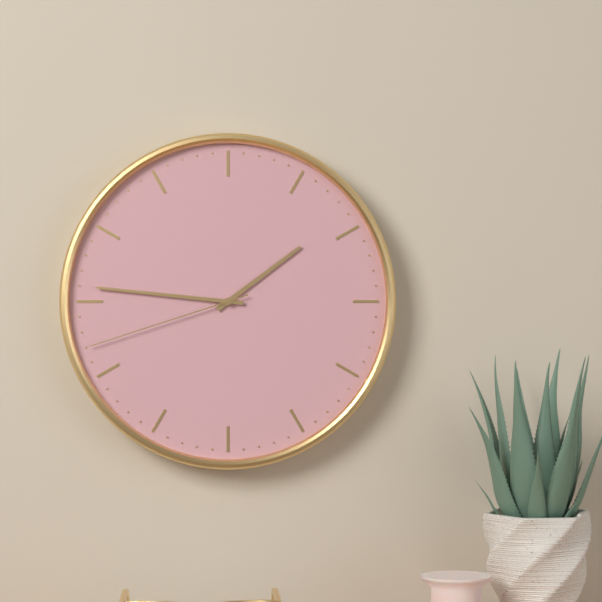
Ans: 1:46:42
